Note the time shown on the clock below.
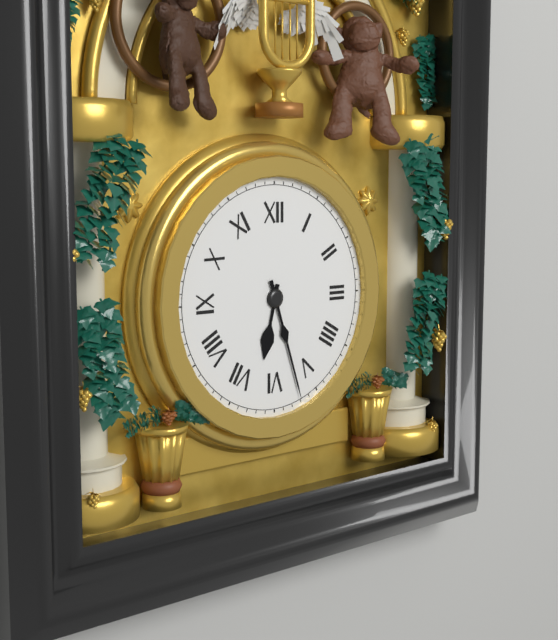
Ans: 6:27
